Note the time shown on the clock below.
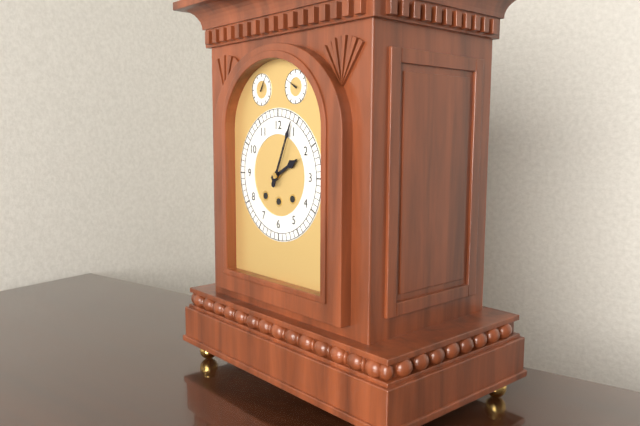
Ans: 2:04
